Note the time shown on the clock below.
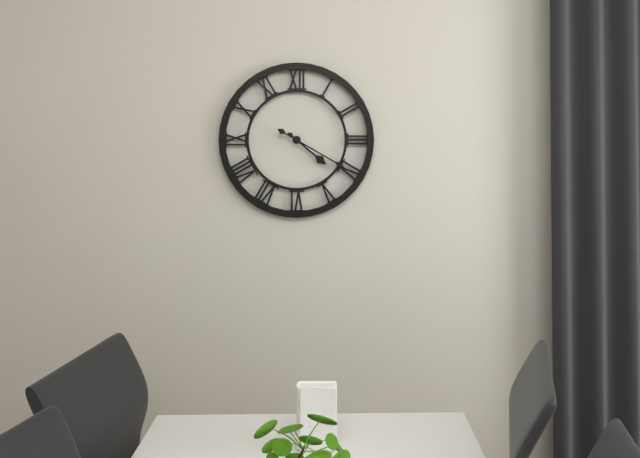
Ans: 4:20
